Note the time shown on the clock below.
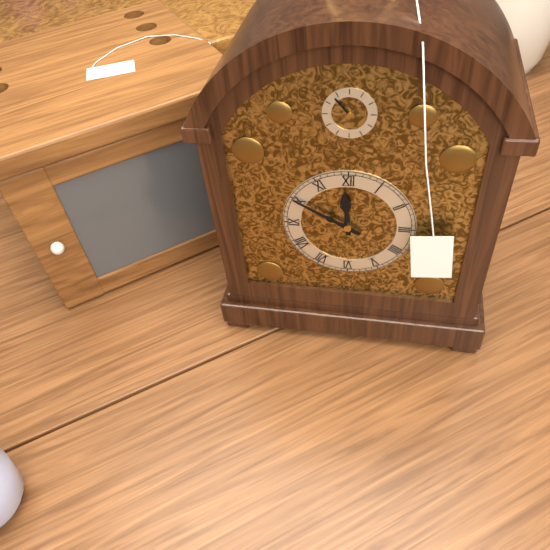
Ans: 11:50
